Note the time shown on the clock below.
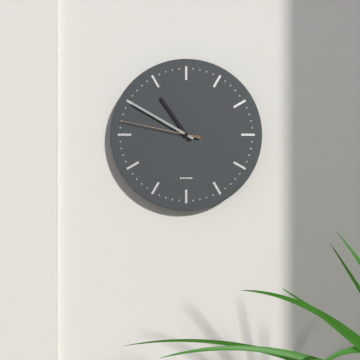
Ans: 10:50:47
